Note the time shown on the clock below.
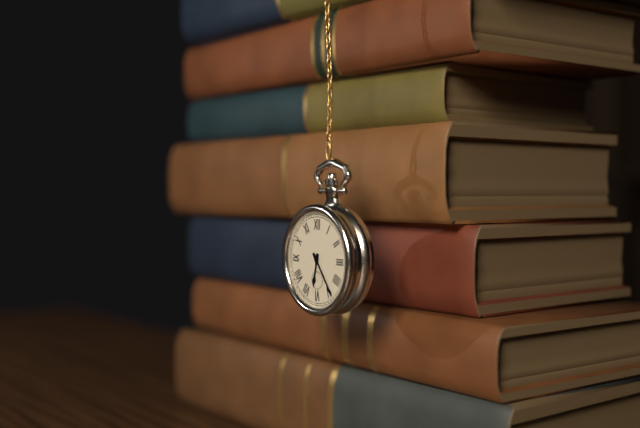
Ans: 6:24
